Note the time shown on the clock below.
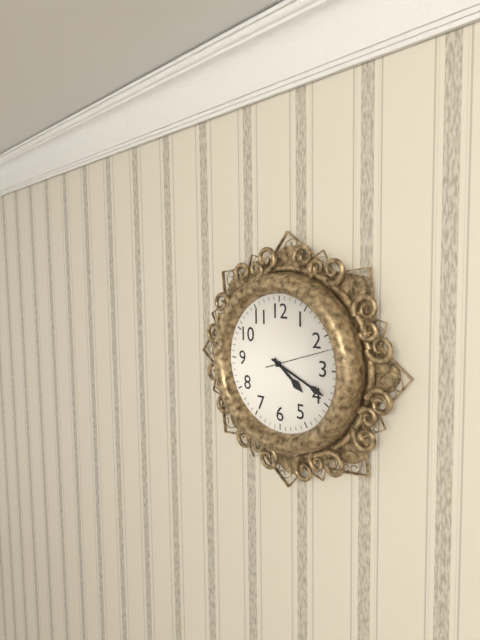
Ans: 4:19:12
